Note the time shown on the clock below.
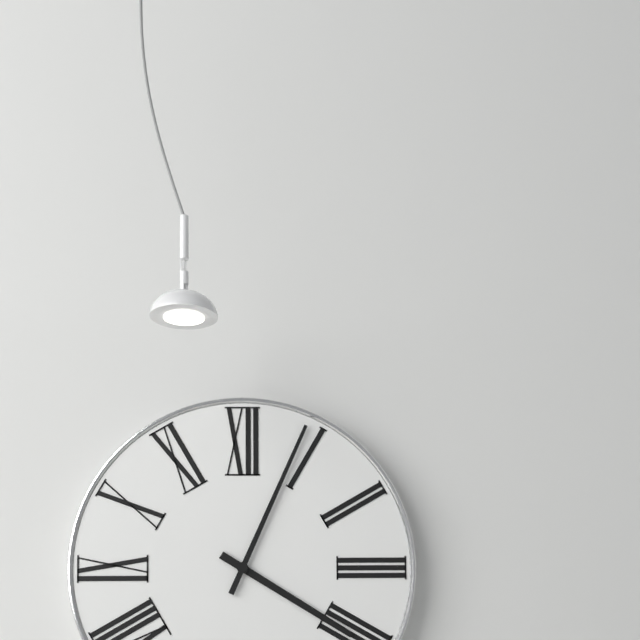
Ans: 4:04
